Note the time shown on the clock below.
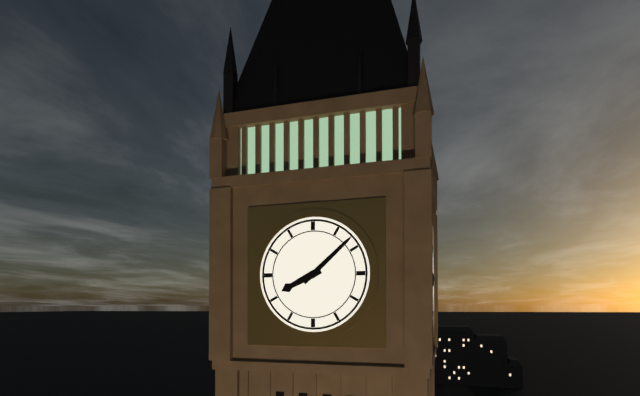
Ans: 8:08
